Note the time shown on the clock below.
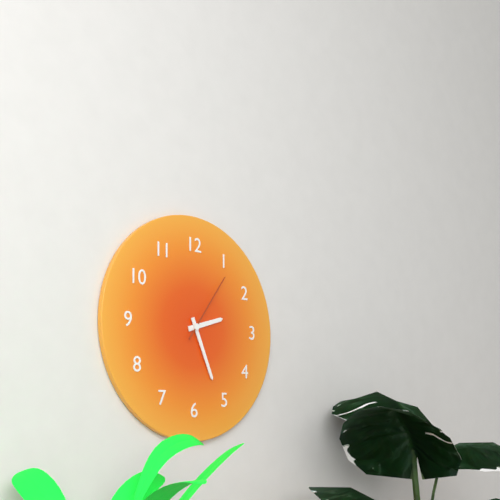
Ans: 2:26:06
